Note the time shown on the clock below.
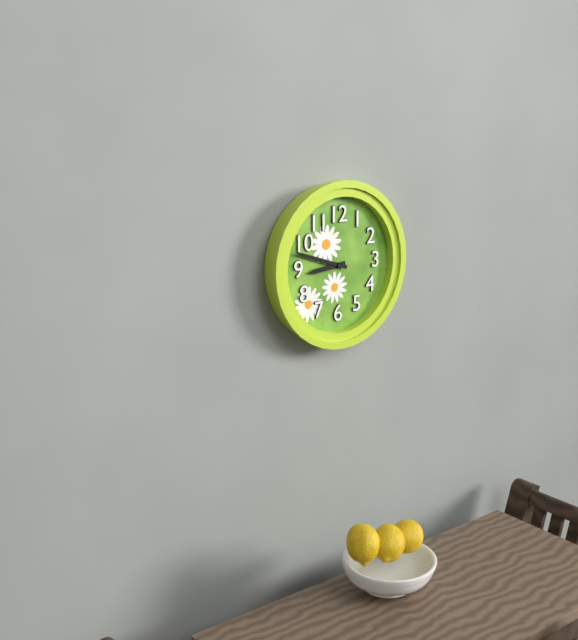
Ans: 8:48
